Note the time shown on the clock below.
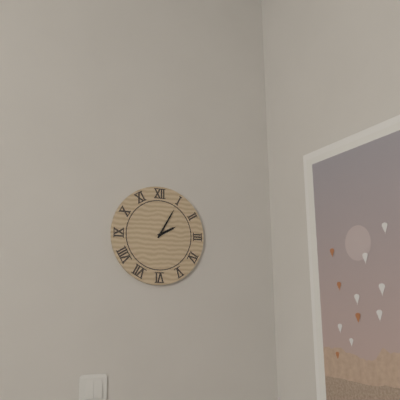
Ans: 2:05
